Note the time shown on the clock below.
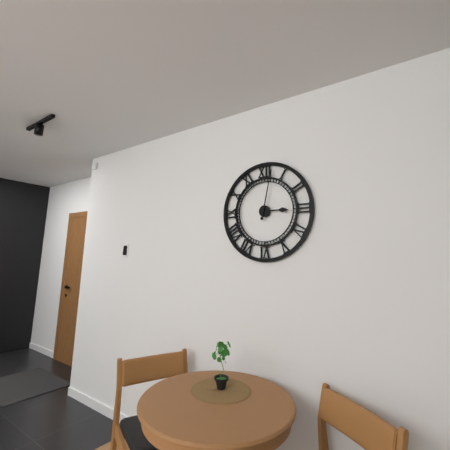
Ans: 3:02
